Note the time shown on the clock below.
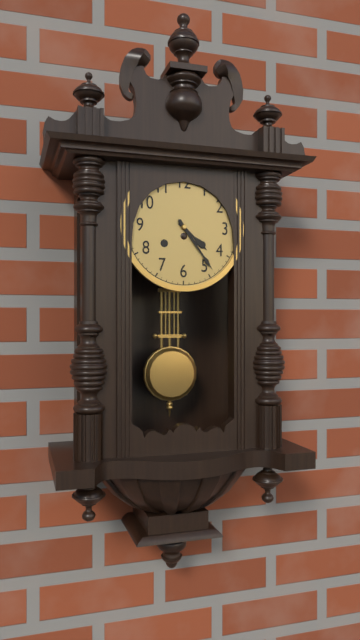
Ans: 4:24
